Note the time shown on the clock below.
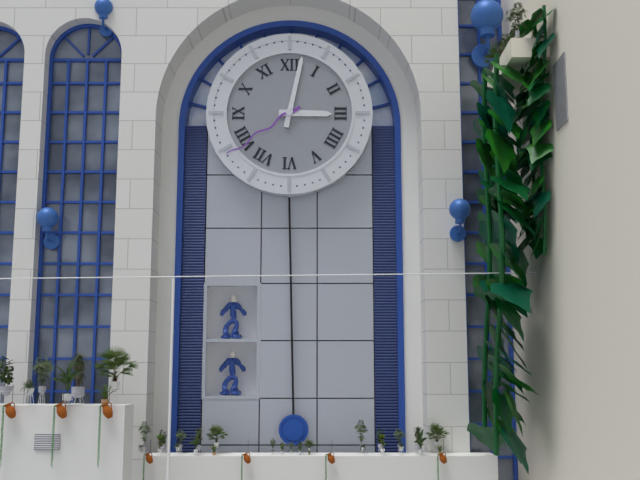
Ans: 3:02:39
